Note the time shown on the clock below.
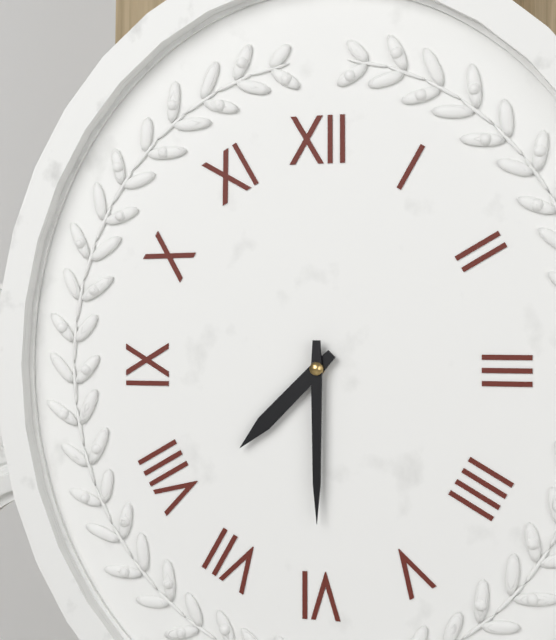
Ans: 7:30
